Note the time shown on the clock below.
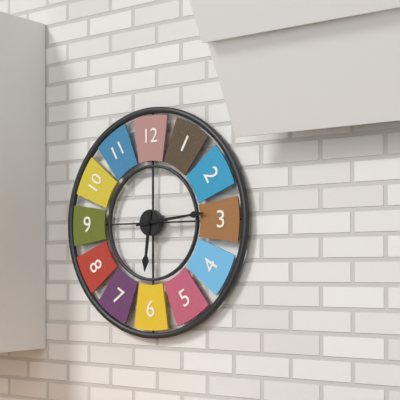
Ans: 6:14
